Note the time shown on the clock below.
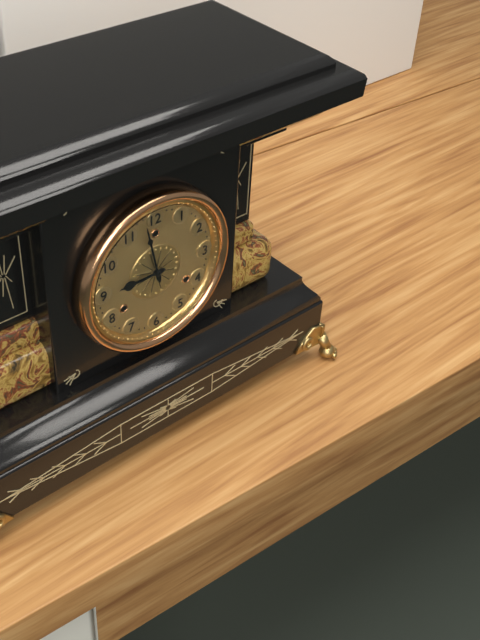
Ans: 8:58
